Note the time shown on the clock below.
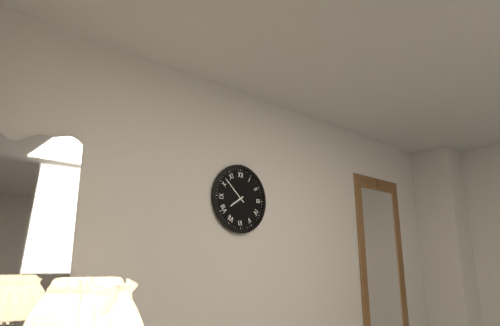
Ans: 7:52
